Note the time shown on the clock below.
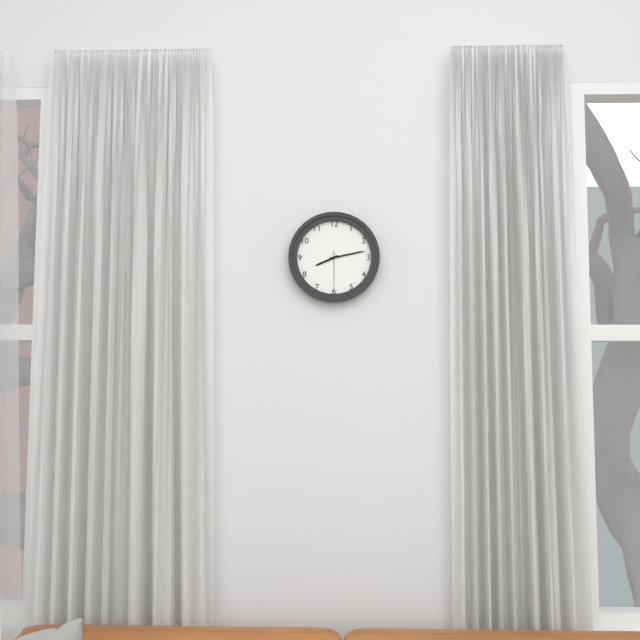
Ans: 8:13
